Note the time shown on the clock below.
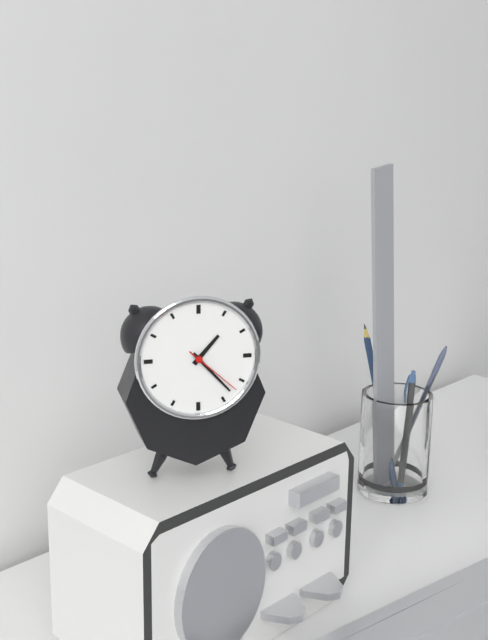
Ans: 1:23:22
